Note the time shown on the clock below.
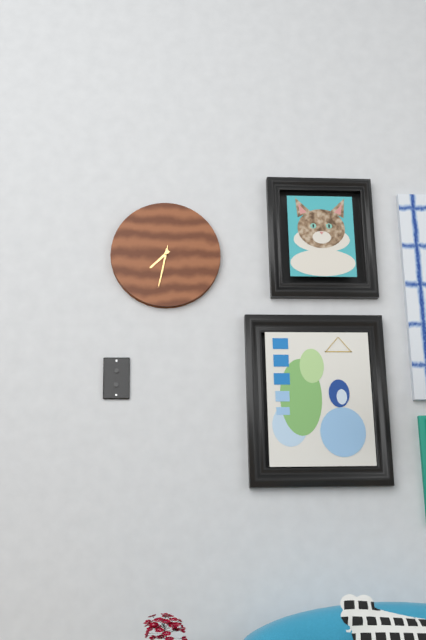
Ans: 7:32
